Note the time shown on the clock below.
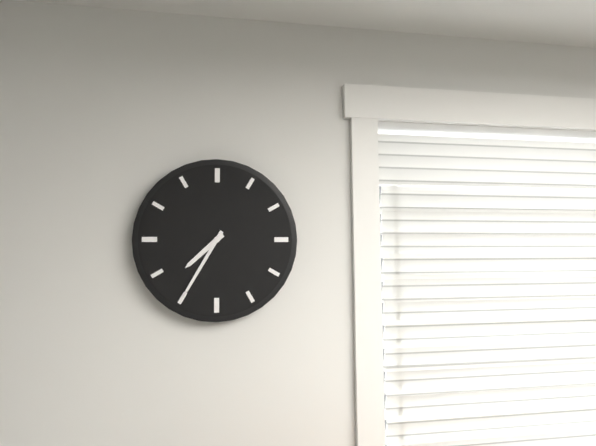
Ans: 7:35
